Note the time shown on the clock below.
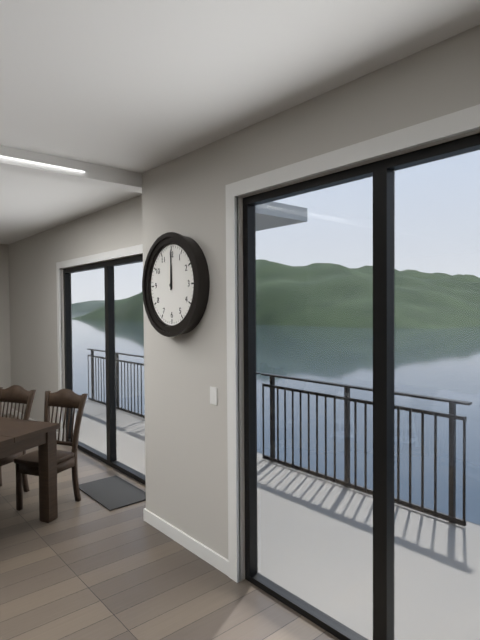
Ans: 12:00
